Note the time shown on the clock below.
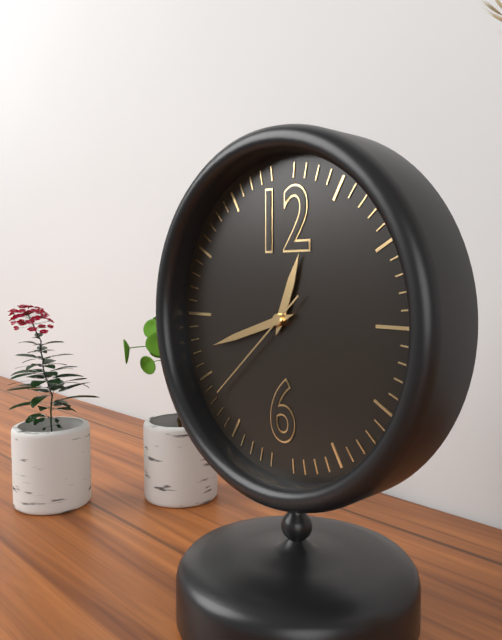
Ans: 12:42:38
